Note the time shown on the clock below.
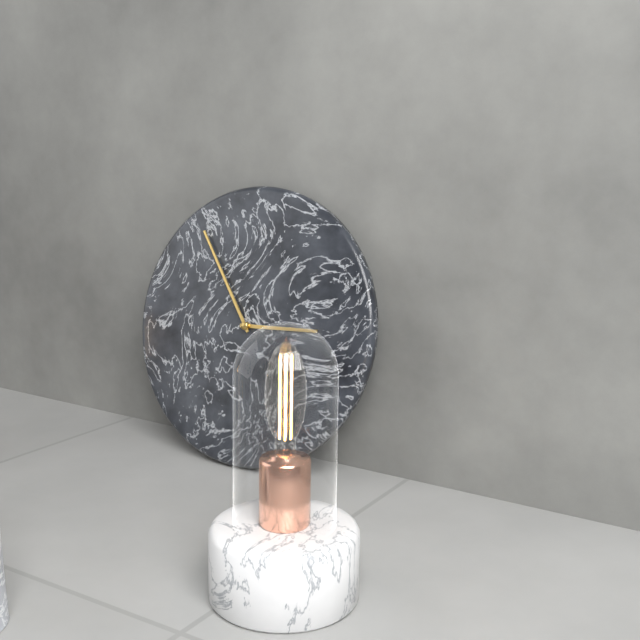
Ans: 2:54
